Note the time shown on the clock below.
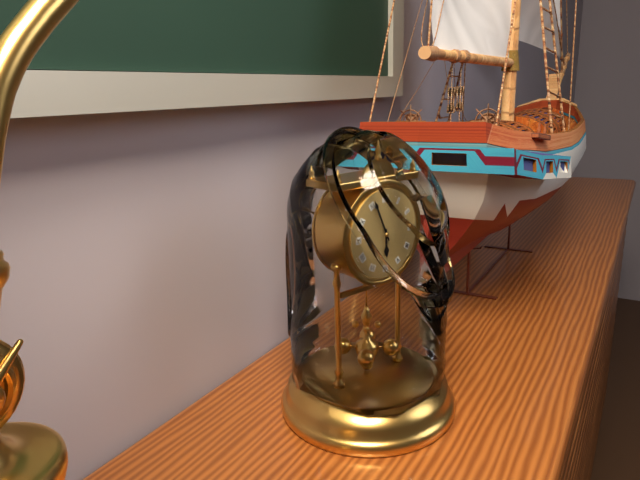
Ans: 5:56
